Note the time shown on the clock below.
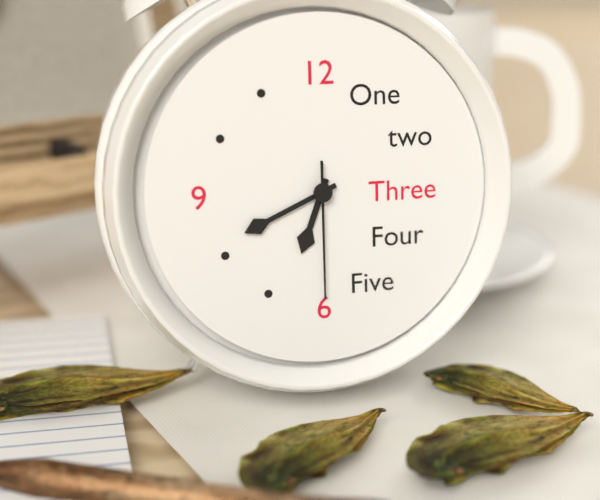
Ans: 6:41:30
